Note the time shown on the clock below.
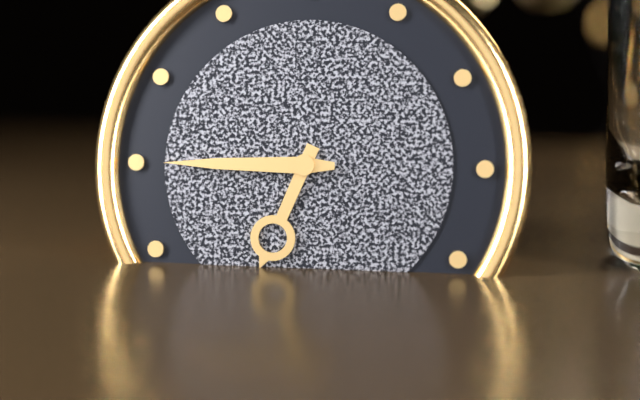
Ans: 6:45
